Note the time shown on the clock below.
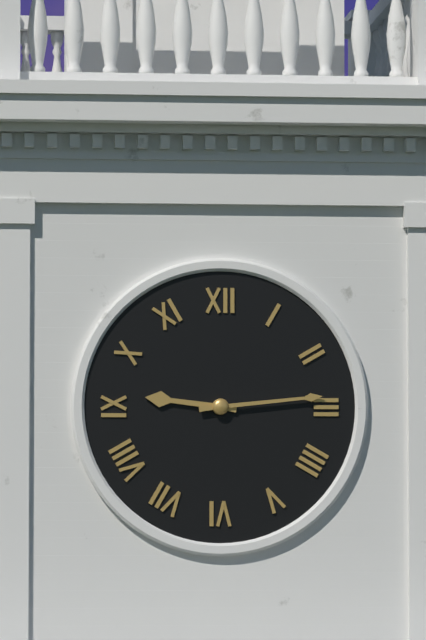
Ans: 9:14
